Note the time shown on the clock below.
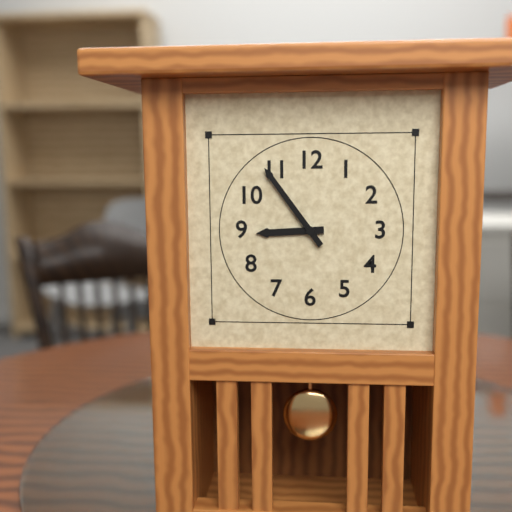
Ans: 8:54
